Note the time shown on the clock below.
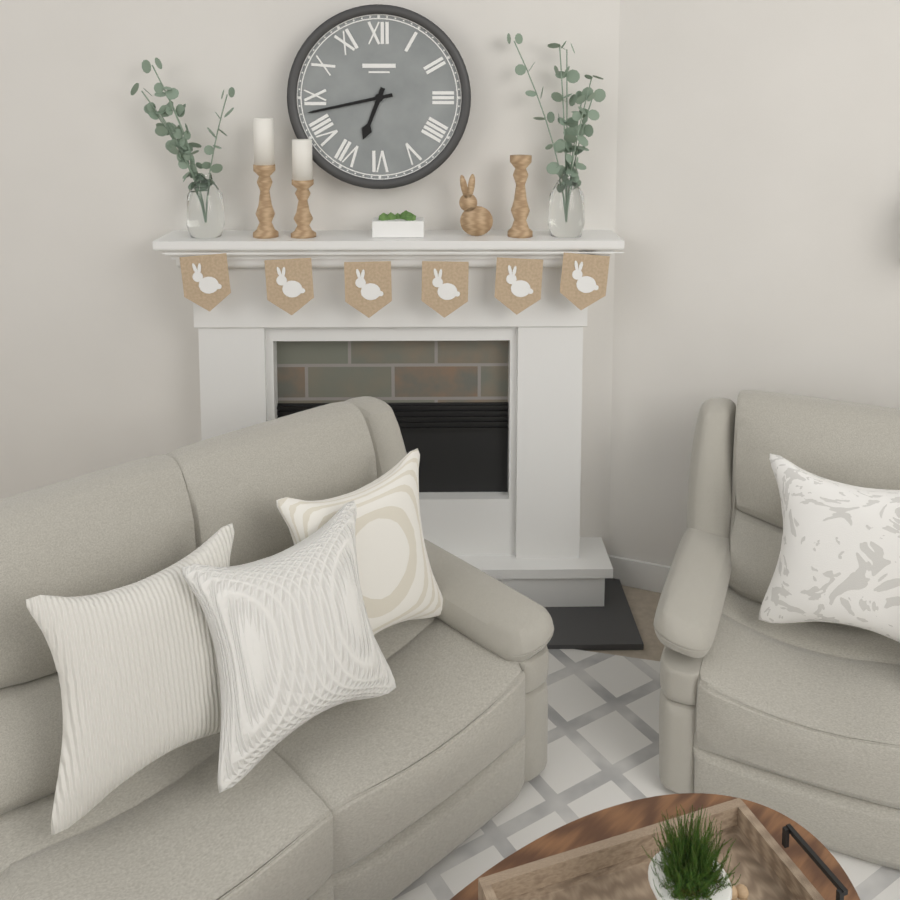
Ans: 6:43
